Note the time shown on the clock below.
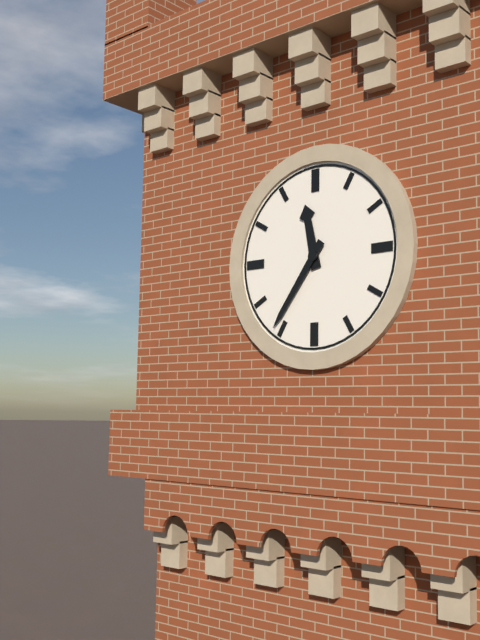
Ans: 11:36
